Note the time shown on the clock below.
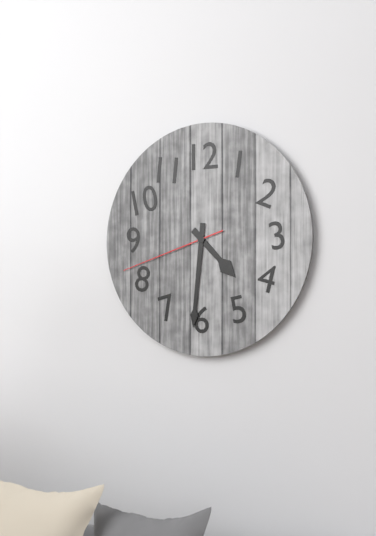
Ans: 4:31:42
